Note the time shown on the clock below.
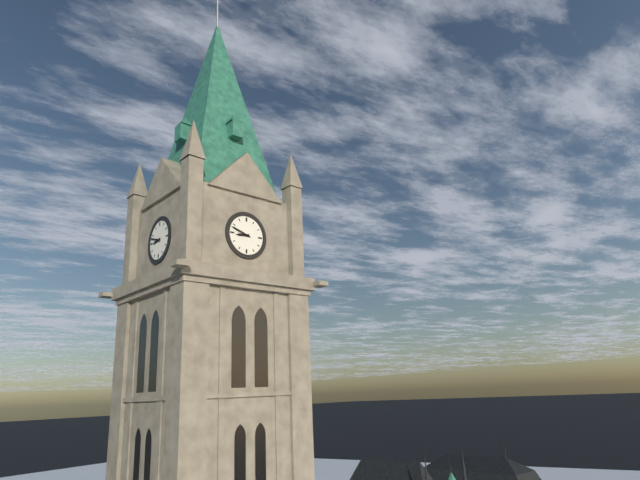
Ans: 8:48
